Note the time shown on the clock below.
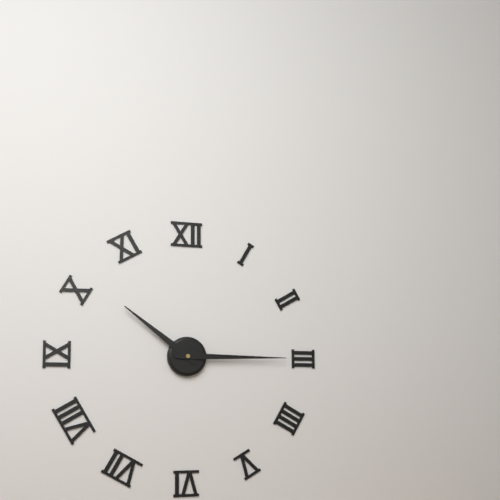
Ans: 10:15
